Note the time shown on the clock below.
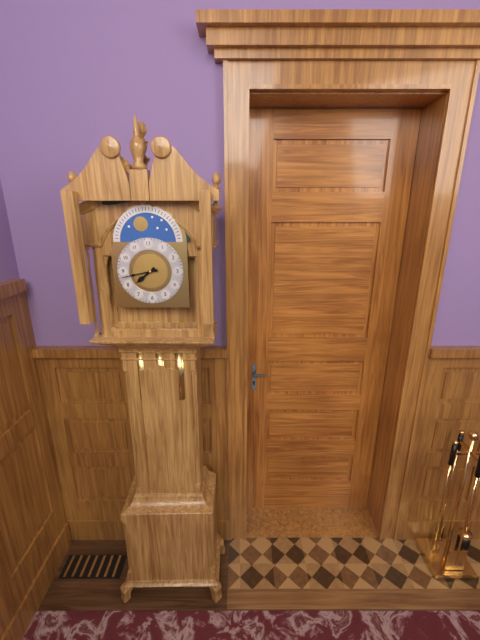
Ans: 7:43
